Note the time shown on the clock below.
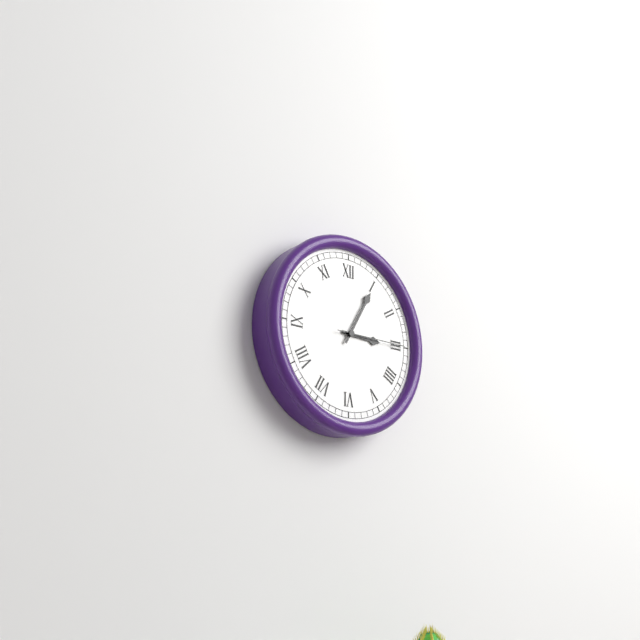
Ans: 3:05:15
